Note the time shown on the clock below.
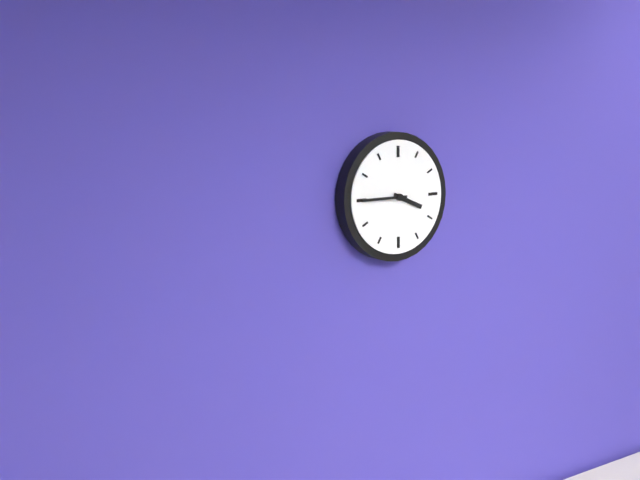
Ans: 3:45
